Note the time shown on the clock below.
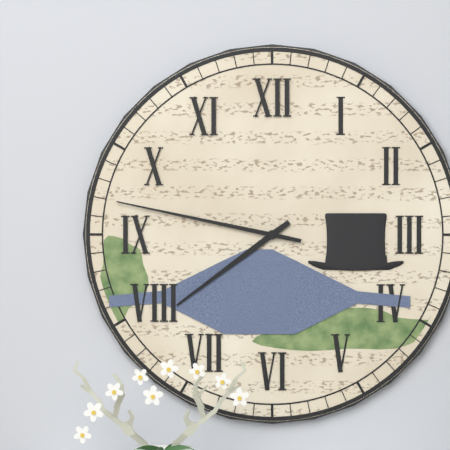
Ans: 7:47
